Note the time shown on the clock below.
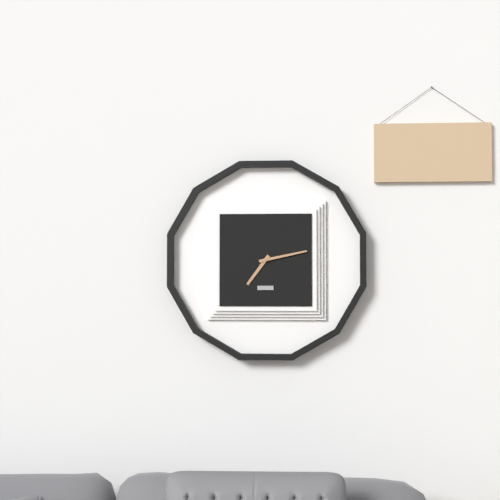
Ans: 7:13
